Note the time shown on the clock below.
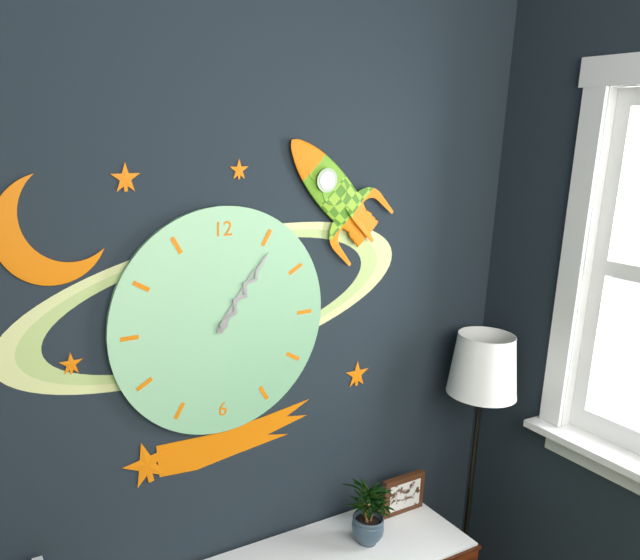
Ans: 1:06
